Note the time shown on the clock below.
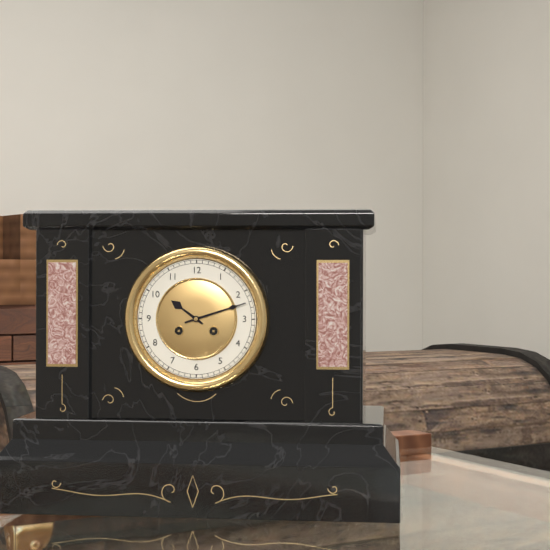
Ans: 10:12
